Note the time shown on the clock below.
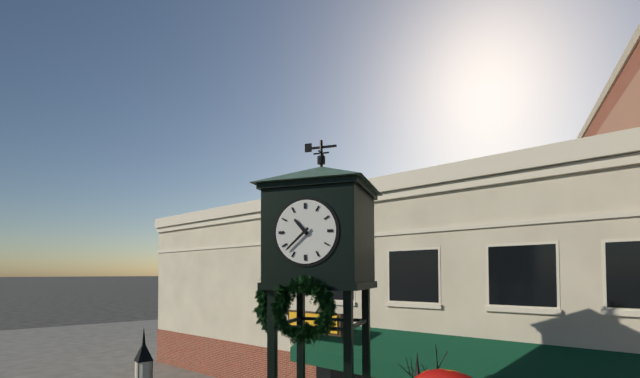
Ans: 10:38
